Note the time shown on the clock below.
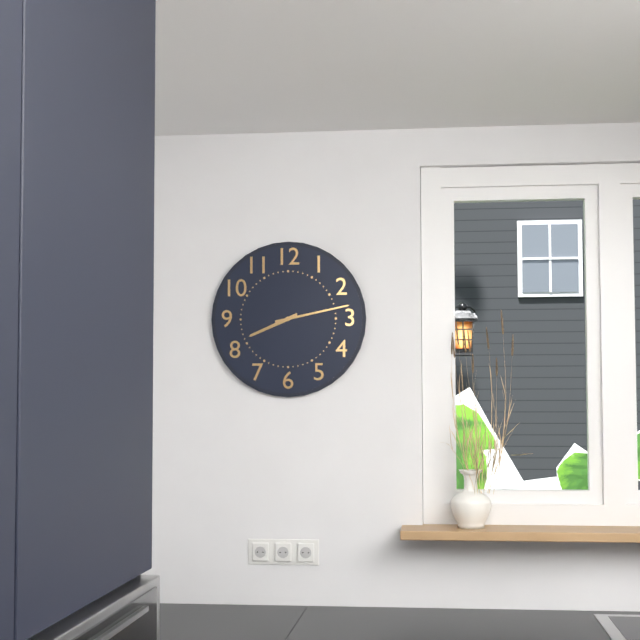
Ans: 8:13
